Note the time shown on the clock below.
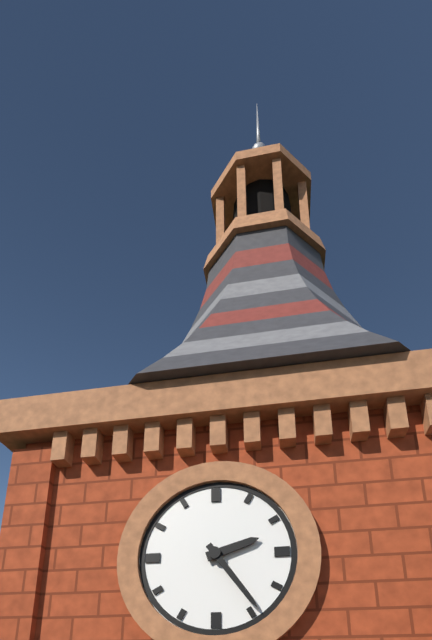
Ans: 2:24
